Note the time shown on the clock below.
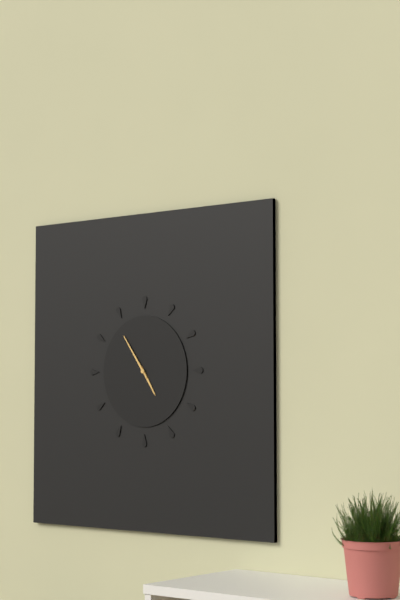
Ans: 4:54
